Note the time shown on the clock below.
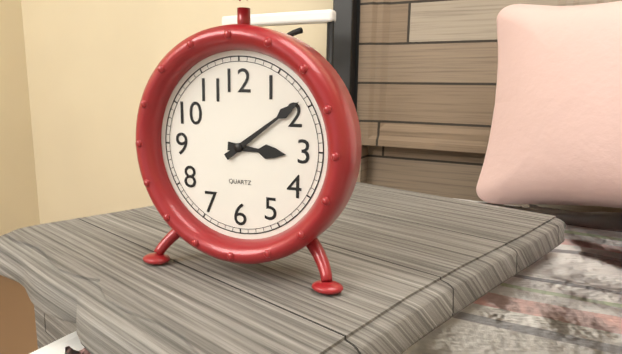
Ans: 3:09
